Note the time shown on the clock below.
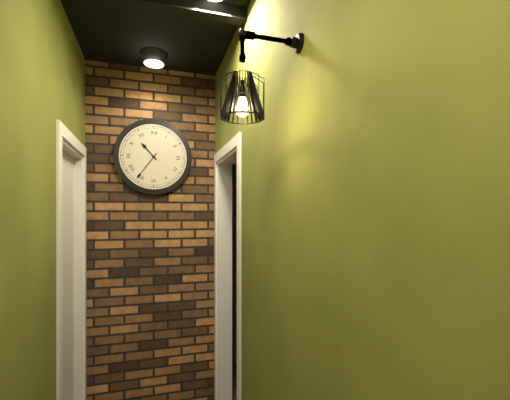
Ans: 10:36
